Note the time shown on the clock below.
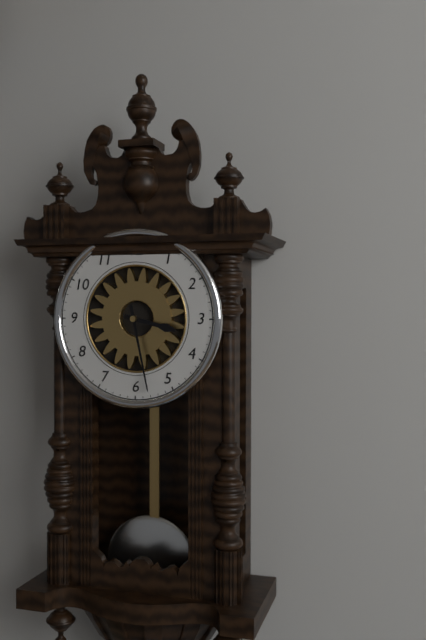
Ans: 3:28
